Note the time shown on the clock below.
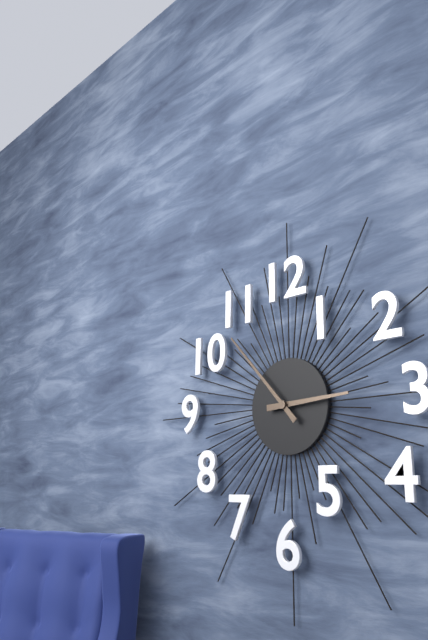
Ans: 2:53
